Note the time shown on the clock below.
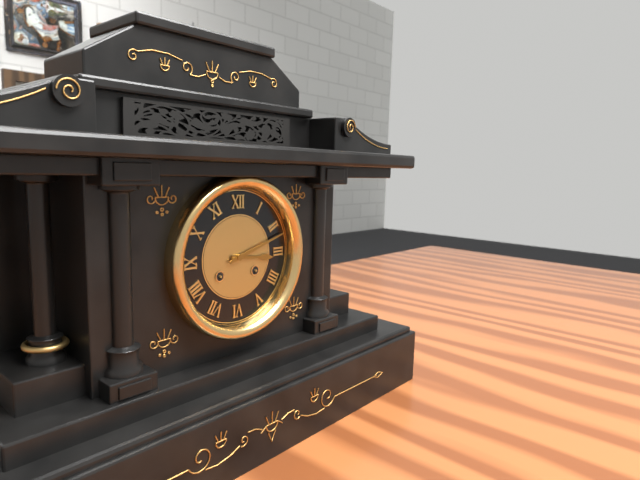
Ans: 3:12
